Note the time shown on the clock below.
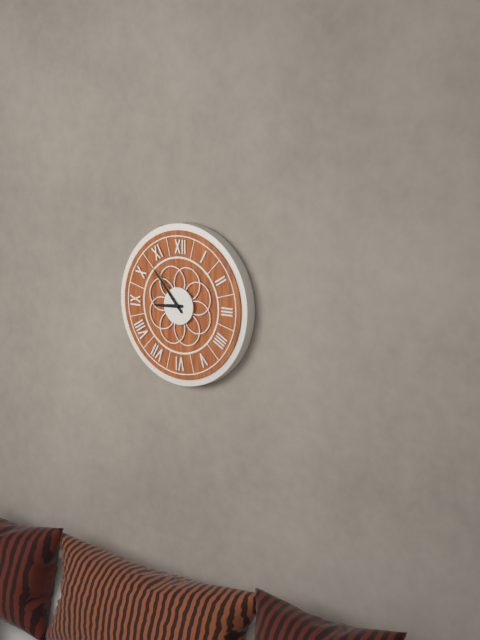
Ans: 8:53
